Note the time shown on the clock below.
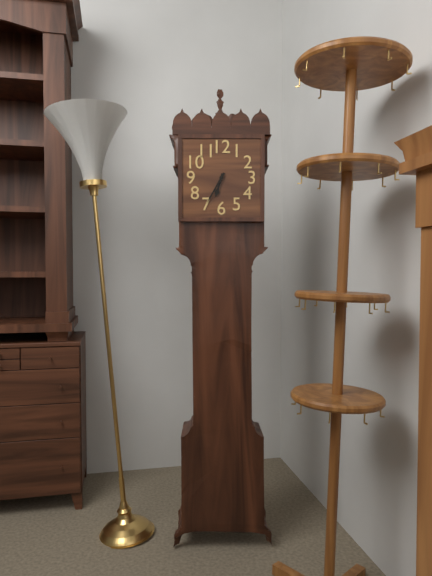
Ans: 6:35
